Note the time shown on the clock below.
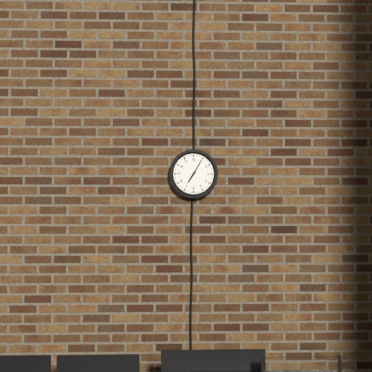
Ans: 7:05
